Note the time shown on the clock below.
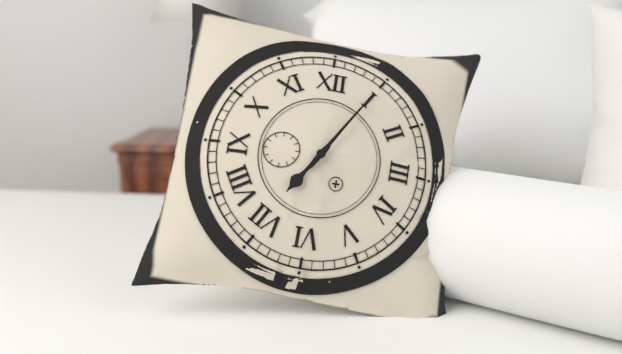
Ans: 7:05
